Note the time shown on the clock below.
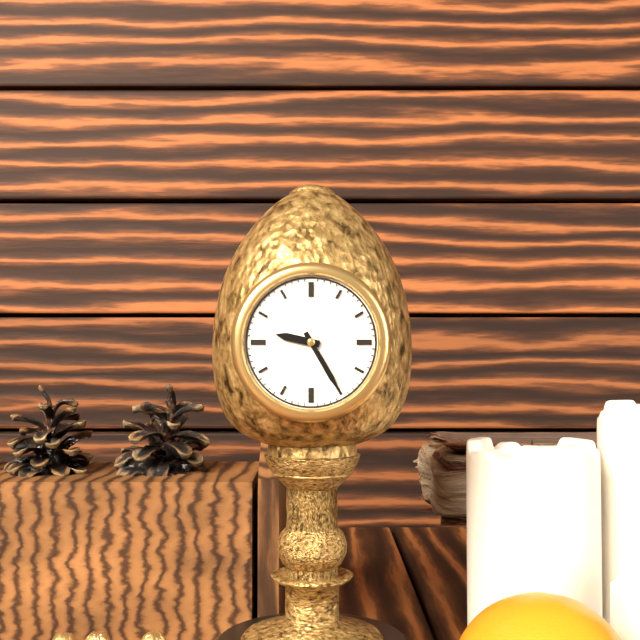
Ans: 9:25
